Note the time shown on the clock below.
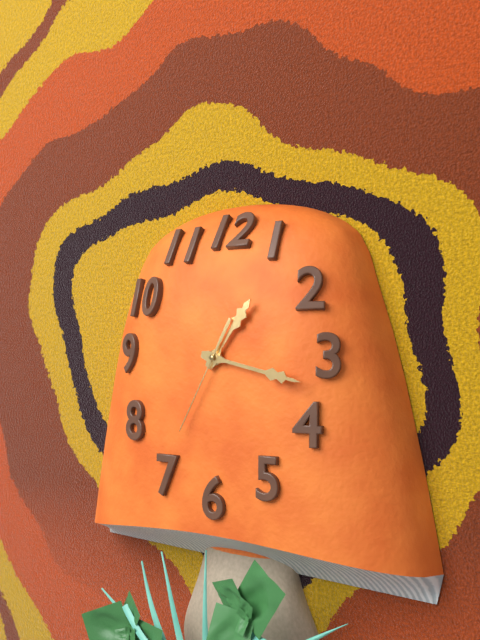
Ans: 1:17:35
